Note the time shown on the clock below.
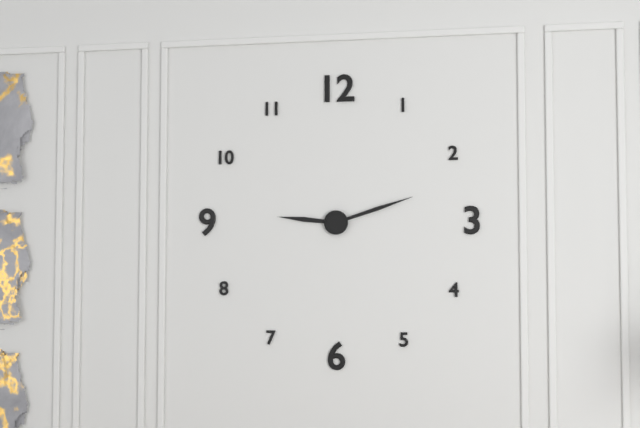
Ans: 9:12
